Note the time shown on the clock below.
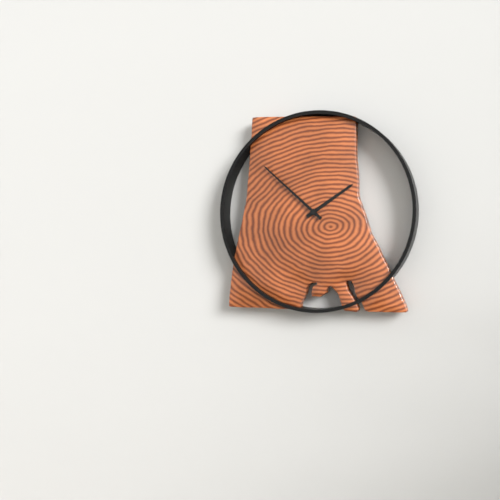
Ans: 1:52
